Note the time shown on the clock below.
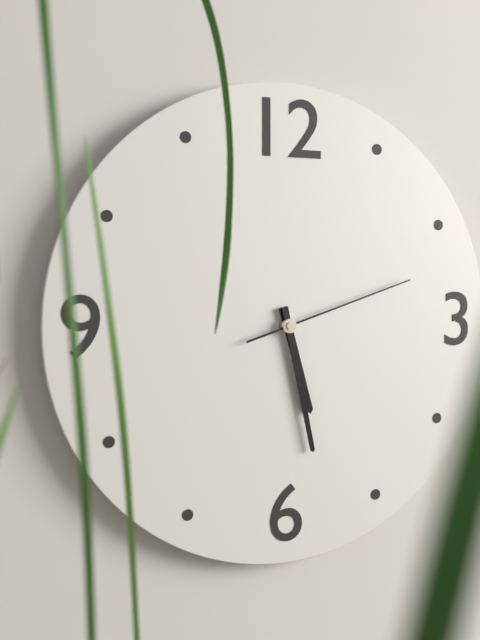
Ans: 5:28:12
